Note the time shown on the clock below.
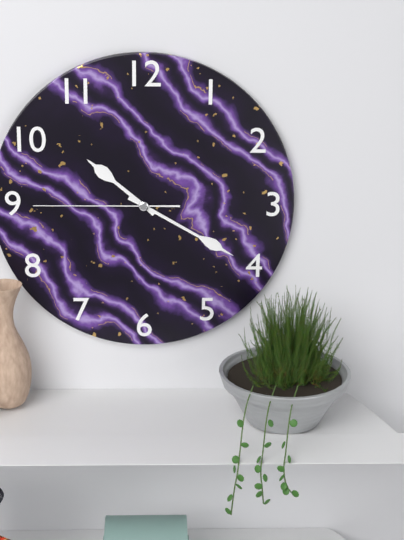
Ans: 10:20:45
